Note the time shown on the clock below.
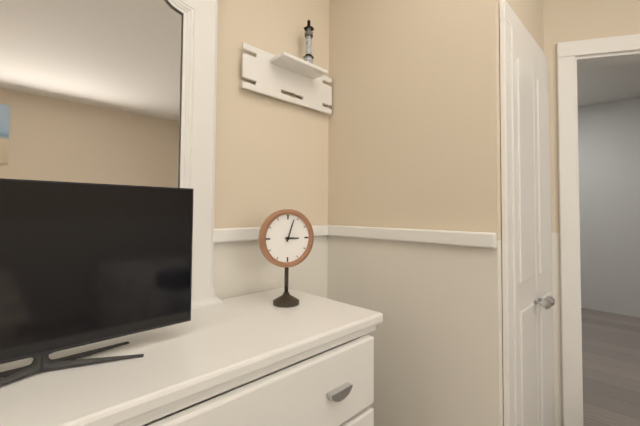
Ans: 3:03
